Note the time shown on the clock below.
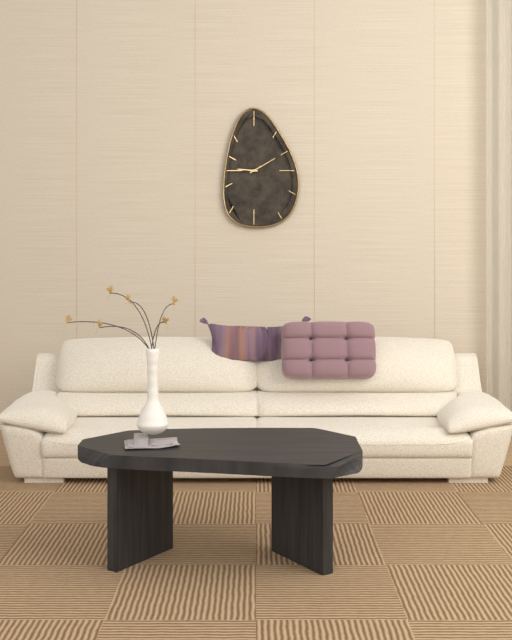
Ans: 9:10
